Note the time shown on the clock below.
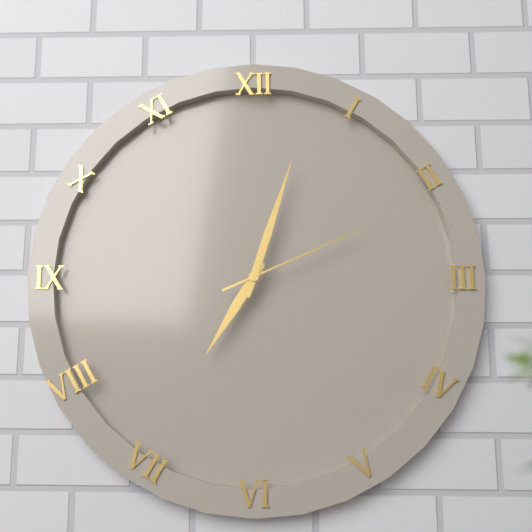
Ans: 7:03:11
